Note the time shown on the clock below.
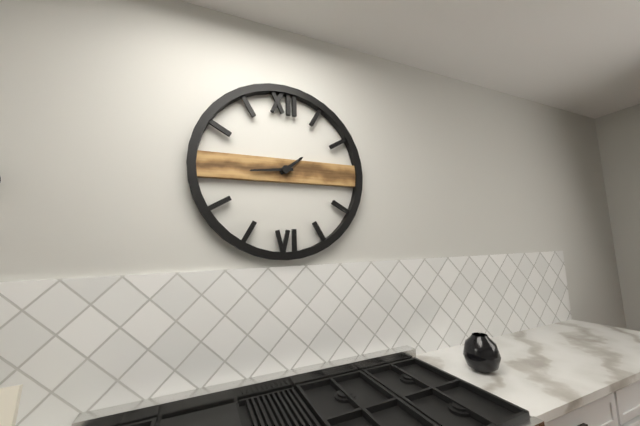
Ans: 1:44
